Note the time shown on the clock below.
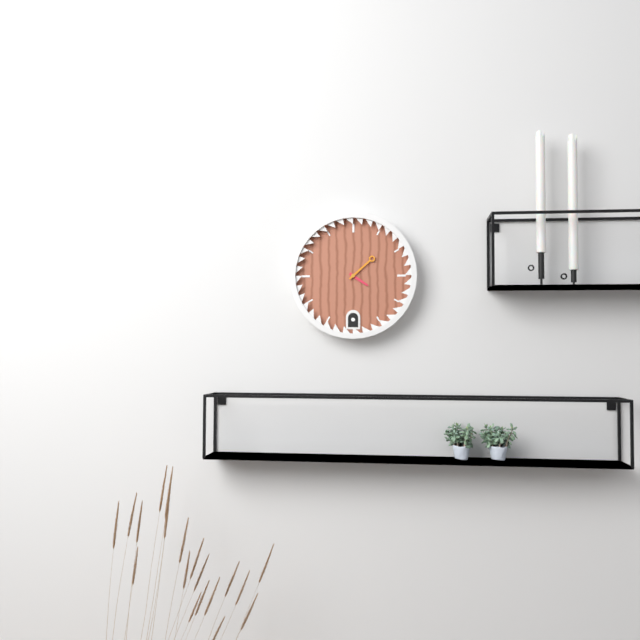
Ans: 4:08
